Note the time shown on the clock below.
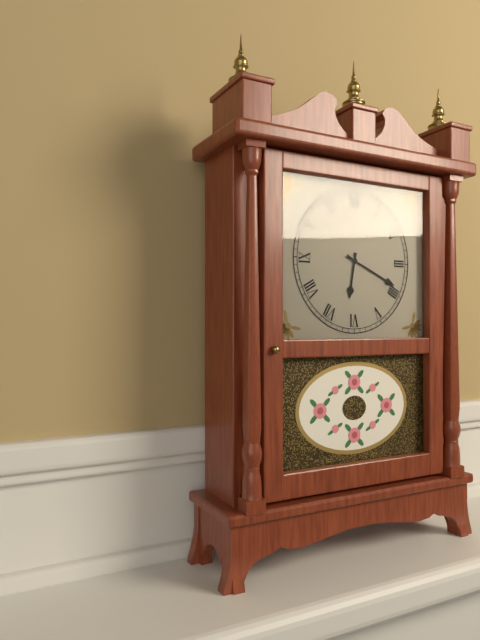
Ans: 6:19
